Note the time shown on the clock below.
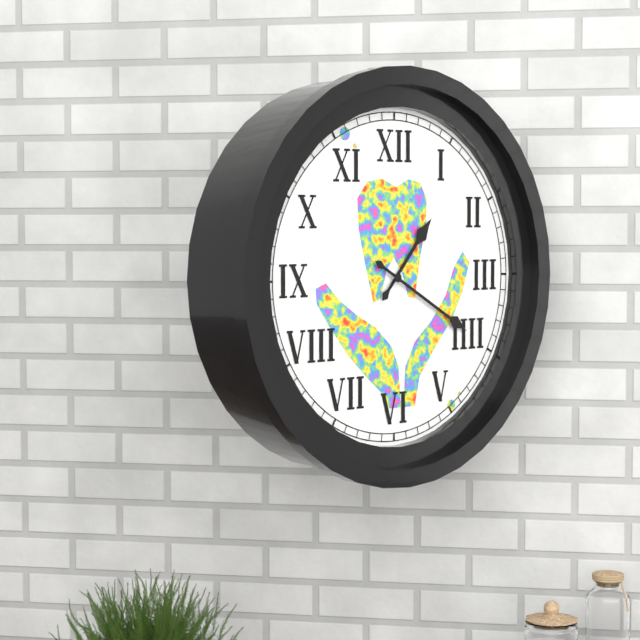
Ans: 1:20
